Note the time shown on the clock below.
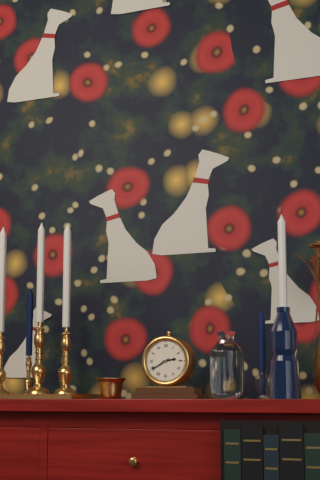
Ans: 2:40
